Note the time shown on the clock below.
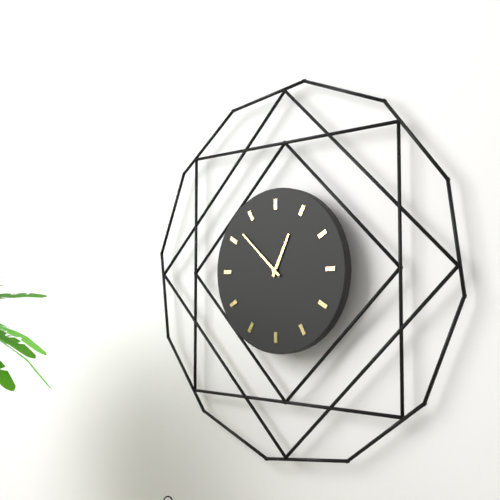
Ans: 12:52
